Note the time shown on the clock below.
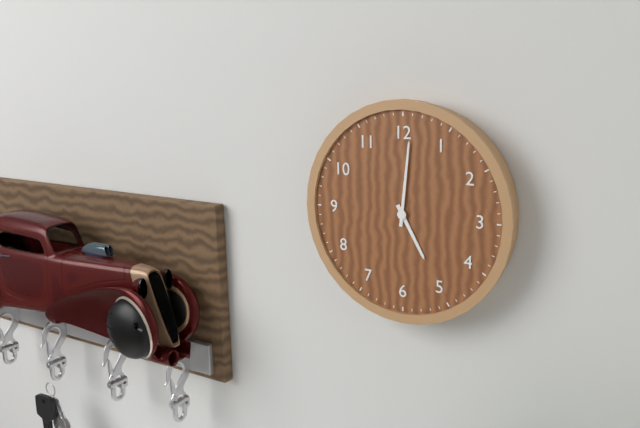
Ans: 5:01
